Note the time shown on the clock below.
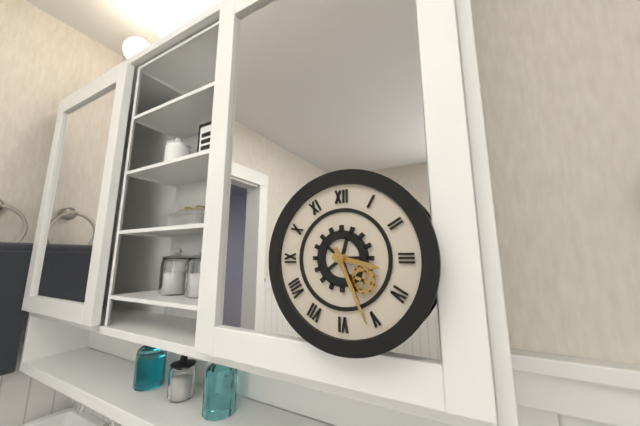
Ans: 3:26
